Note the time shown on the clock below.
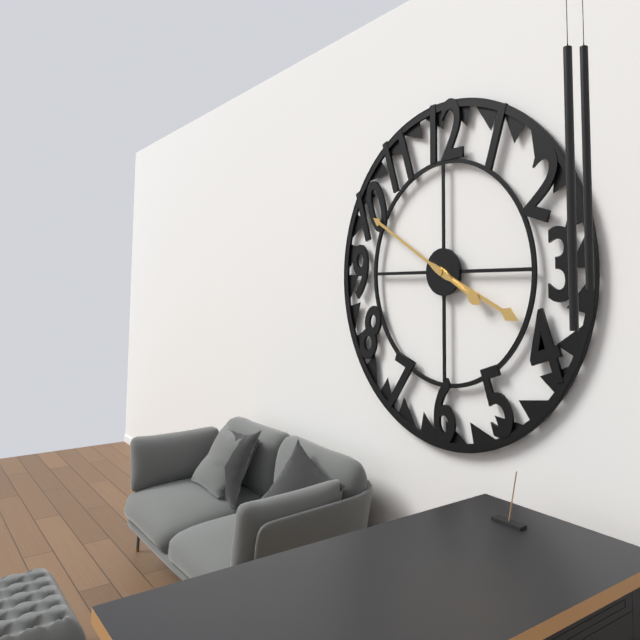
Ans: 3:50
